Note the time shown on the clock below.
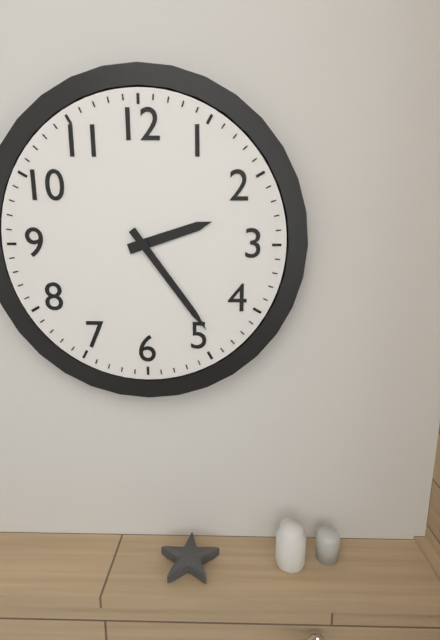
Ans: 2:24
